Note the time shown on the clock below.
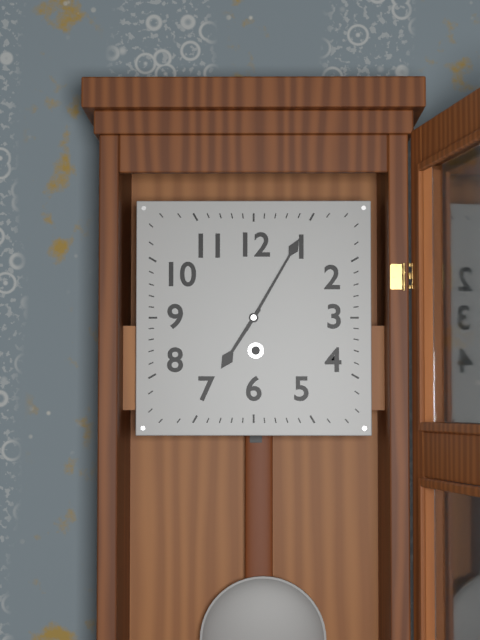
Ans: 7:05
